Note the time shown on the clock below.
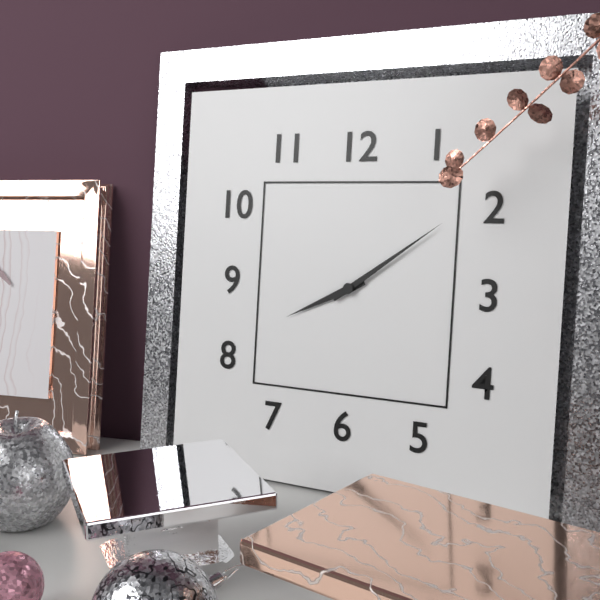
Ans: 8:09
